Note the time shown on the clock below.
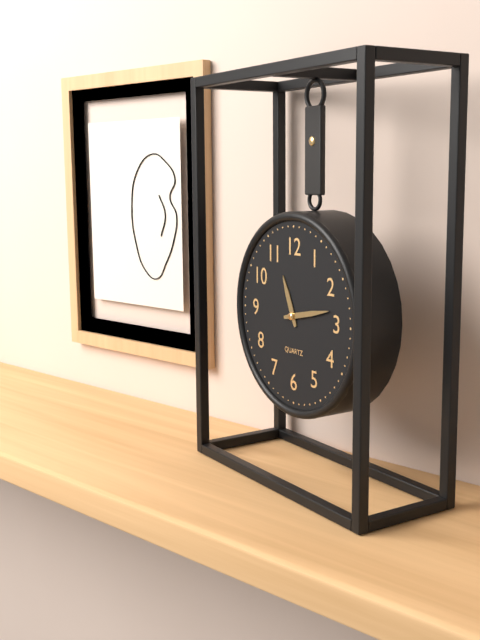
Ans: 11:13
